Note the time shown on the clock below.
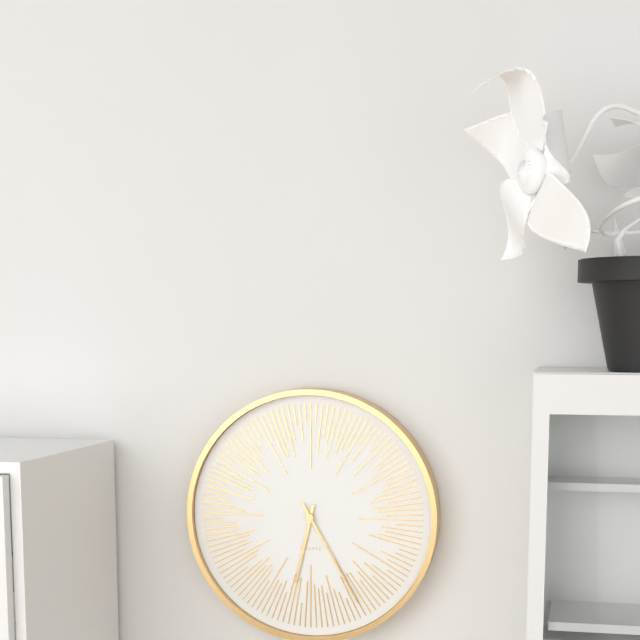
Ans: 6:25
